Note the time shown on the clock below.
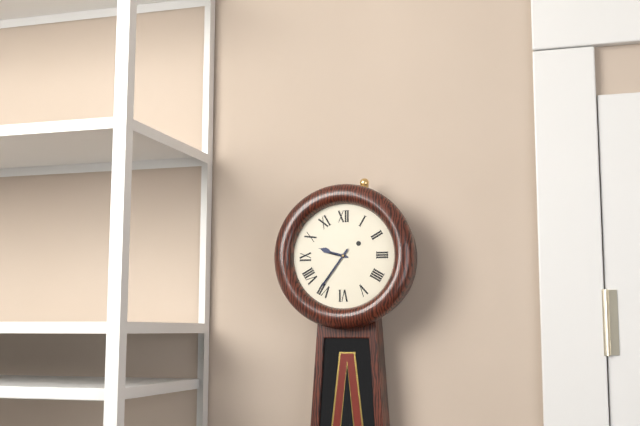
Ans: 9:36
